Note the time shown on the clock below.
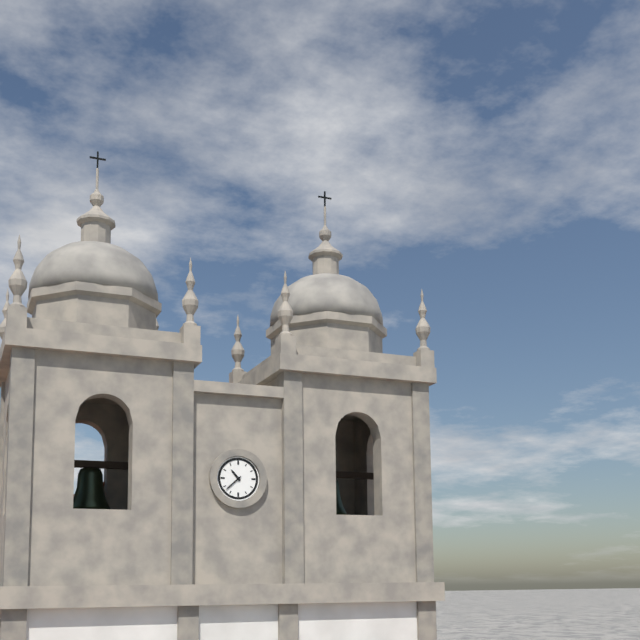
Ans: 10:38
